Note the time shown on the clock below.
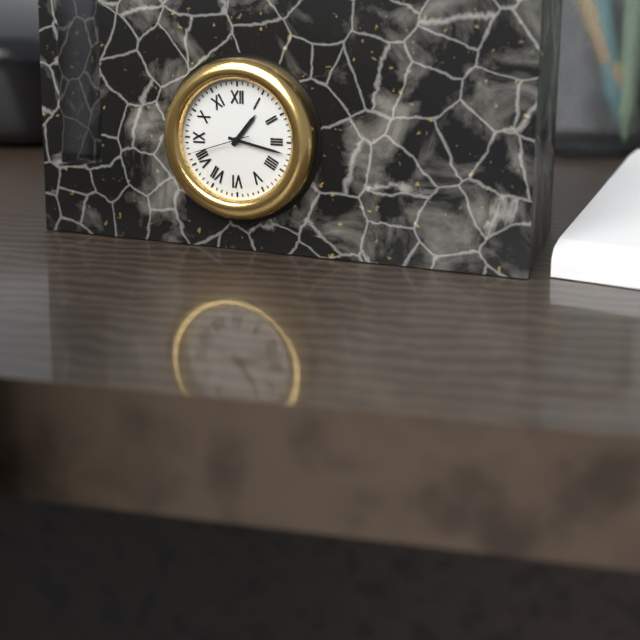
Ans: 1:17:42
